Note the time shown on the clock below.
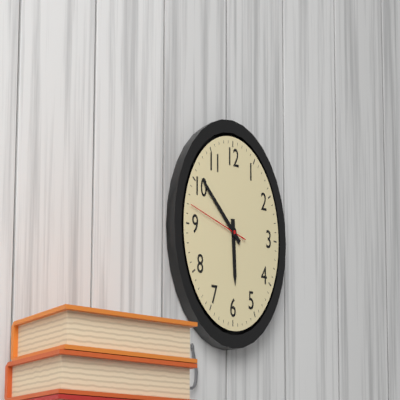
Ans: 5:51:47
